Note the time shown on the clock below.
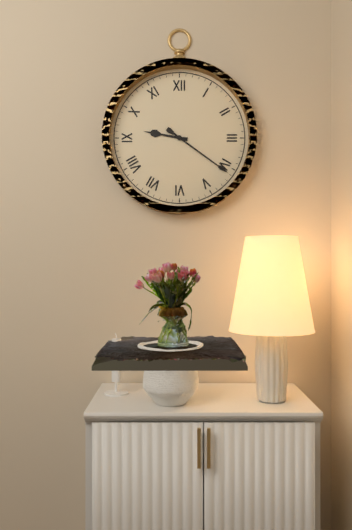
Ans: 9:21
